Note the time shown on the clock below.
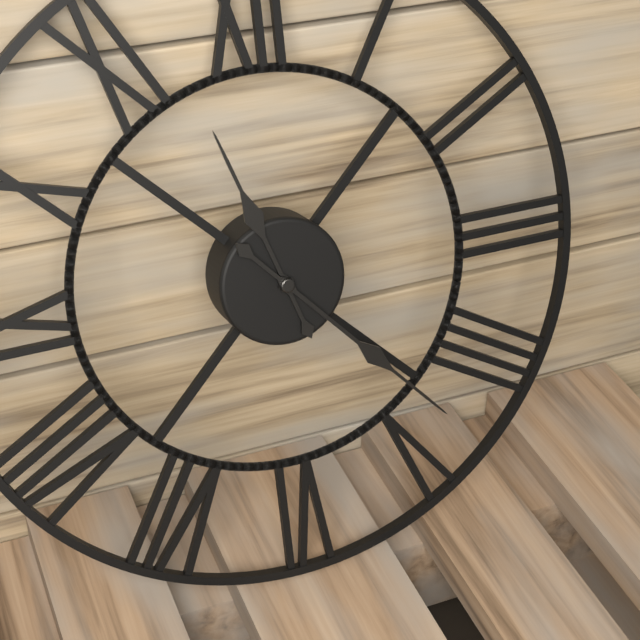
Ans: 11:23
